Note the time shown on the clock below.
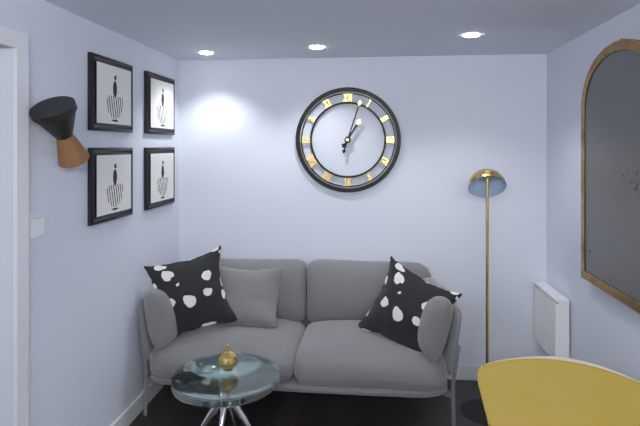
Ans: 1:03
